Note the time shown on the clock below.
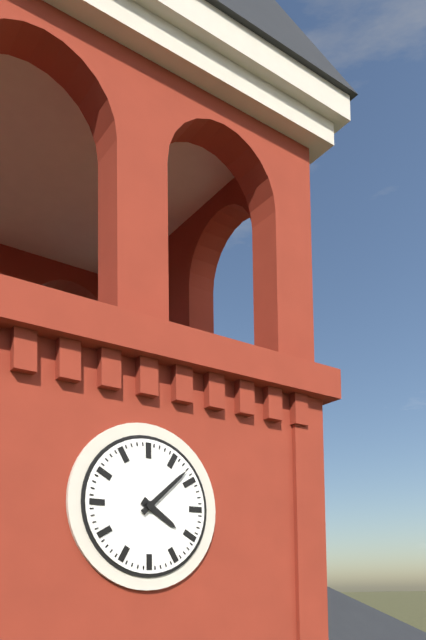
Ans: 4:08
